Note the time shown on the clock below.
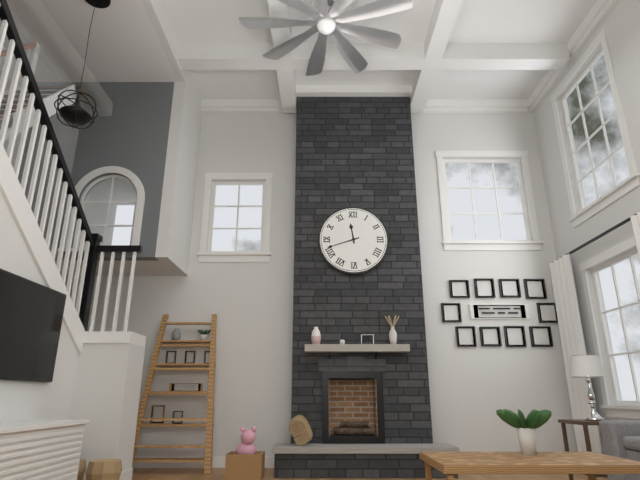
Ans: 11:42
